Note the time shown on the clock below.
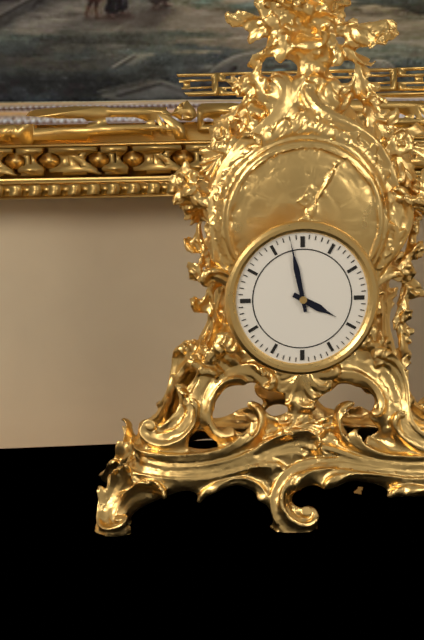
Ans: 3:58
